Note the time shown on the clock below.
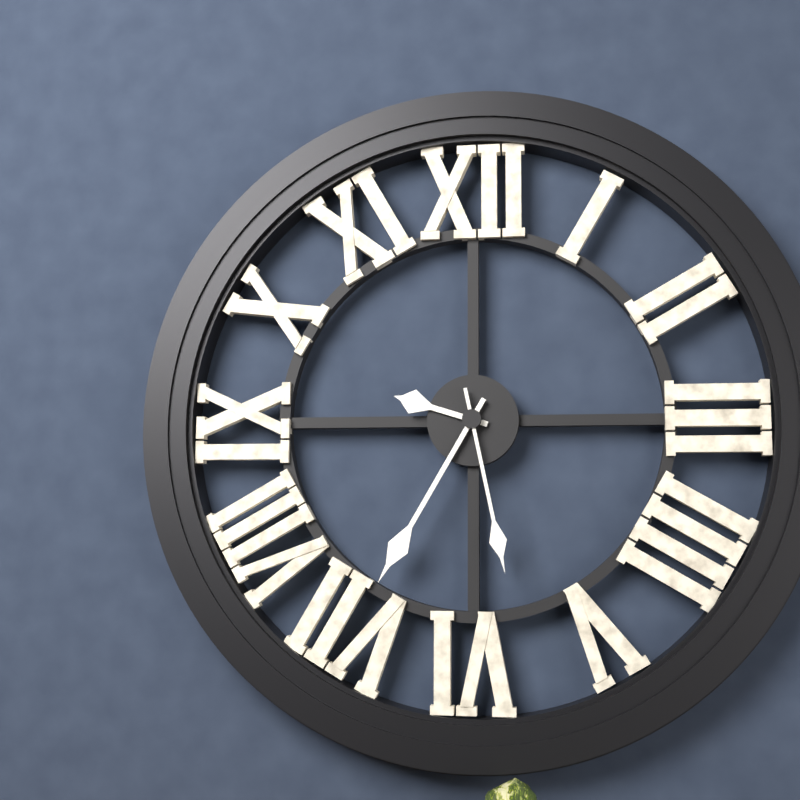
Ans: 9:35:28
